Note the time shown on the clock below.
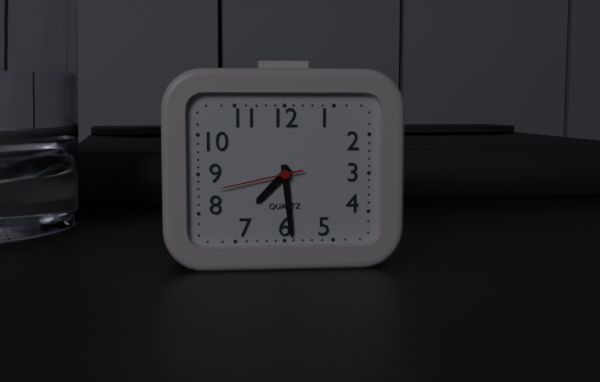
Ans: 7:29:43
